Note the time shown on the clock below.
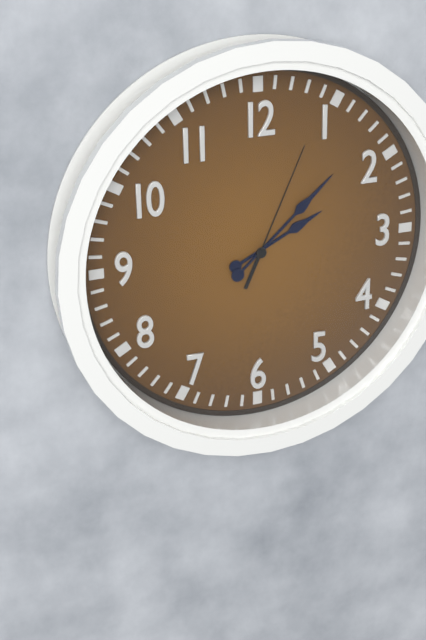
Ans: 2:08:04
